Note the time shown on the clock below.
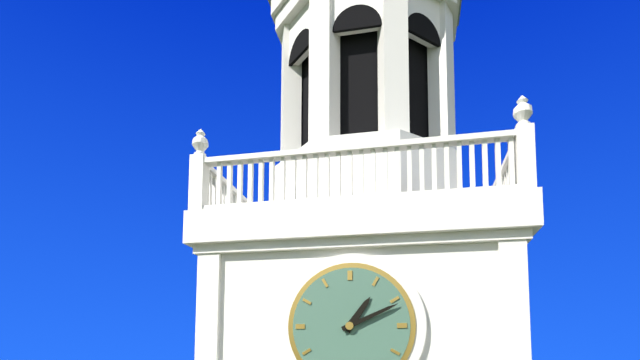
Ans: 1:11
